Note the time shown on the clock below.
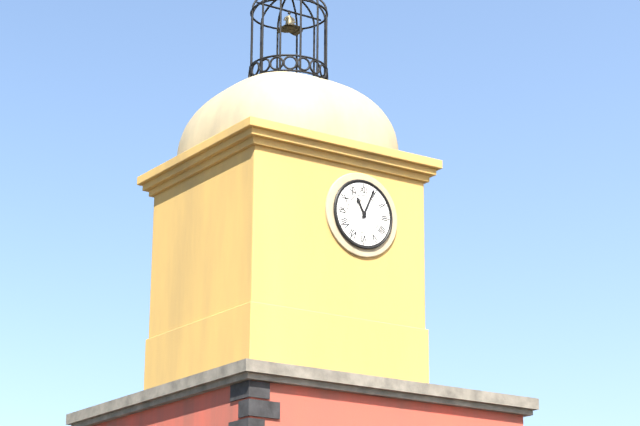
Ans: 11:04
